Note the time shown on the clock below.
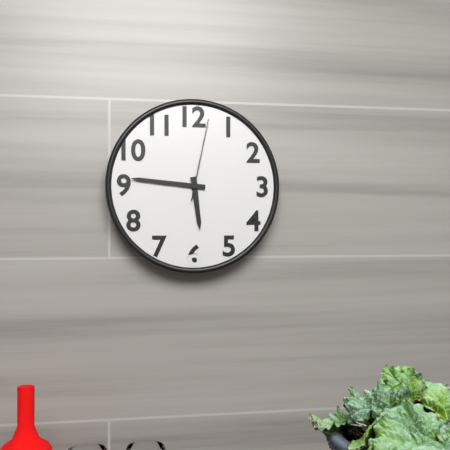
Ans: 5:46:02
